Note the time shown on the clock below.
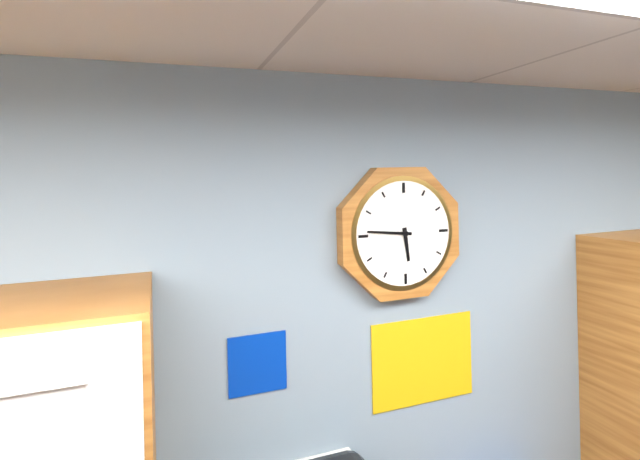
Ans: 5:46
